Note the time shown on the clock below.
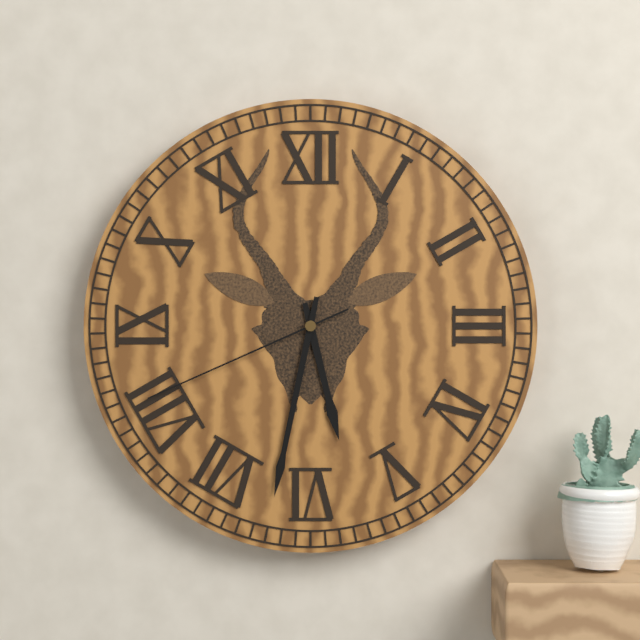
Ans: 5:32:41
